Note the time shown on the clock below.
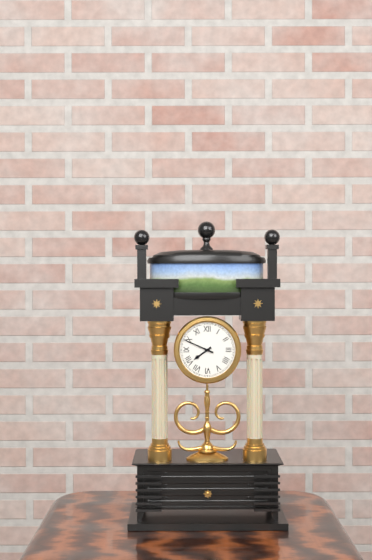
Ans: 7:49
